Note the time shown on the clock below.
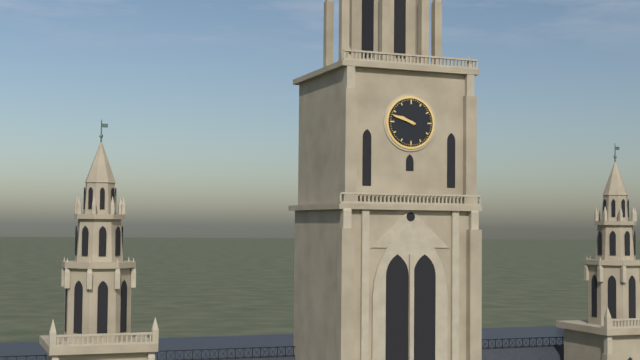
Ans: 9:48
